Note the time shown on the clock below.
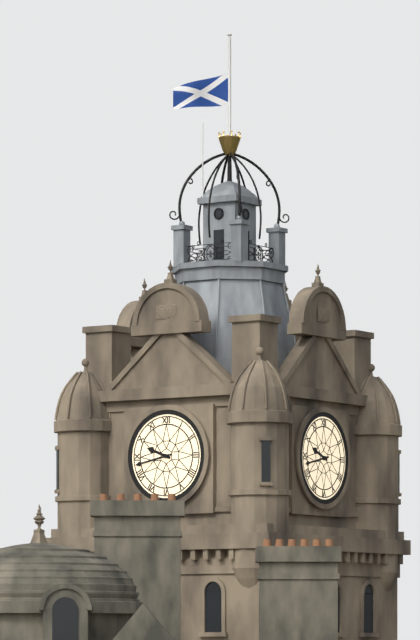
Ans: 9:43
